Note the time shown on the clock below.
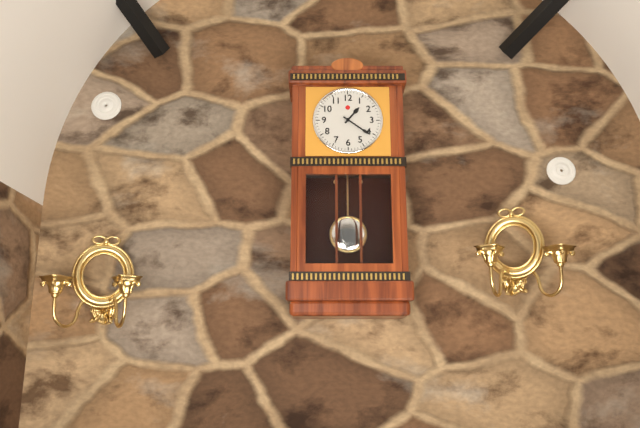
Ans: 1:21
